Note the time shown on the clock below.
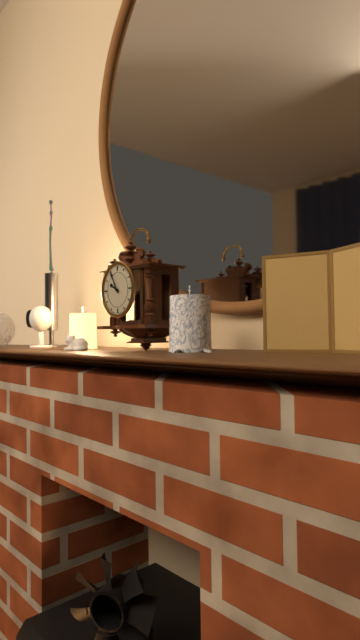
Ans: 9:55
